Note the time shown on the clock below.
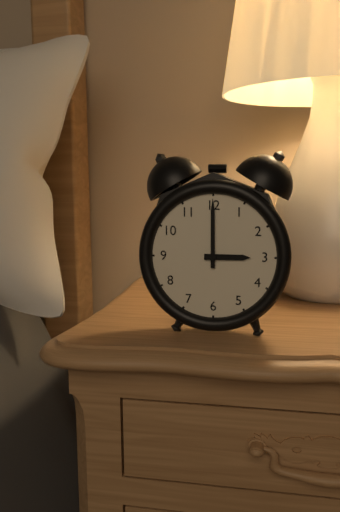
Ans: 3:00
